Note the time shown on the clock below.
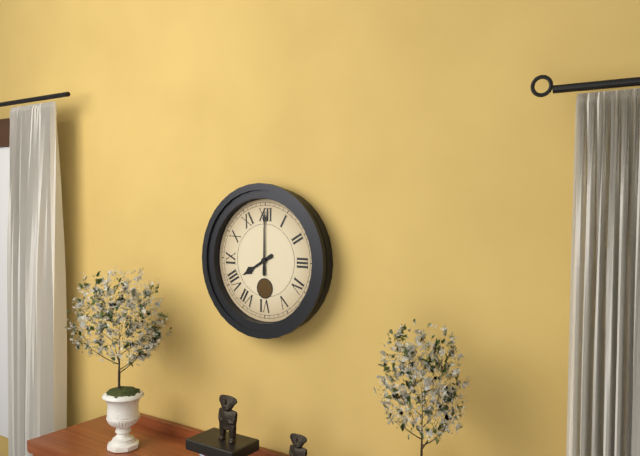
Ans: 8:00
